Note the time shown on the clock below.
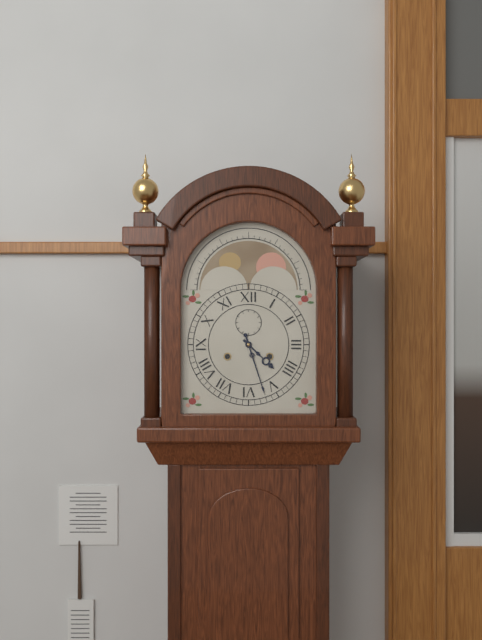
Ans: 4:27
